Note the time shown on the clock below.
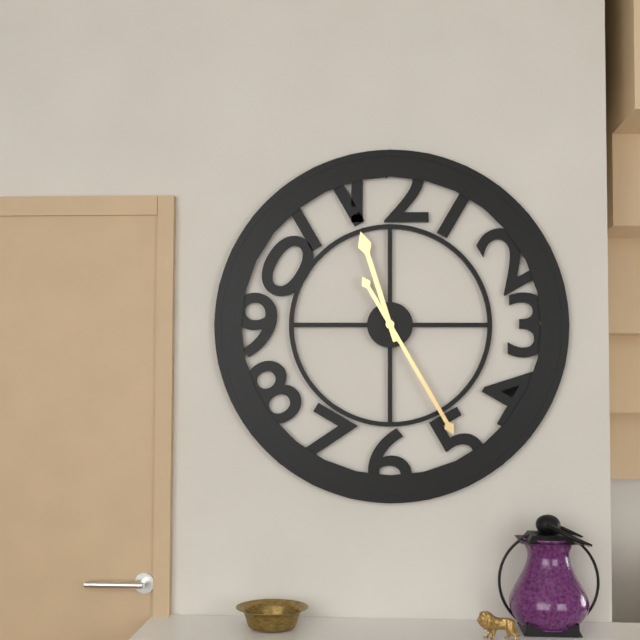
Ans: 11:25
